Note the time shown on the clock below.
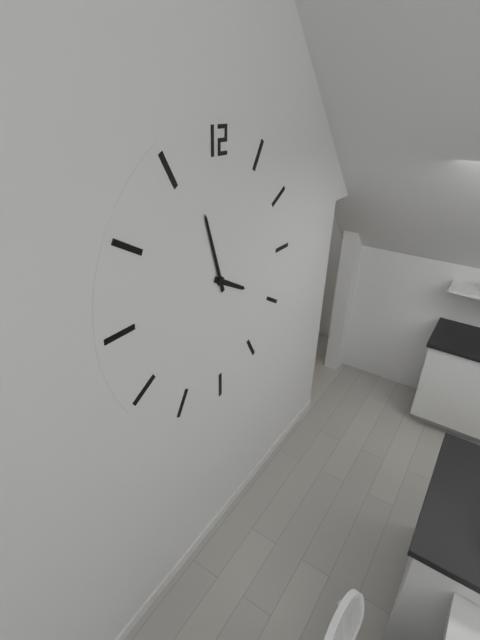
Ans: 3:57
